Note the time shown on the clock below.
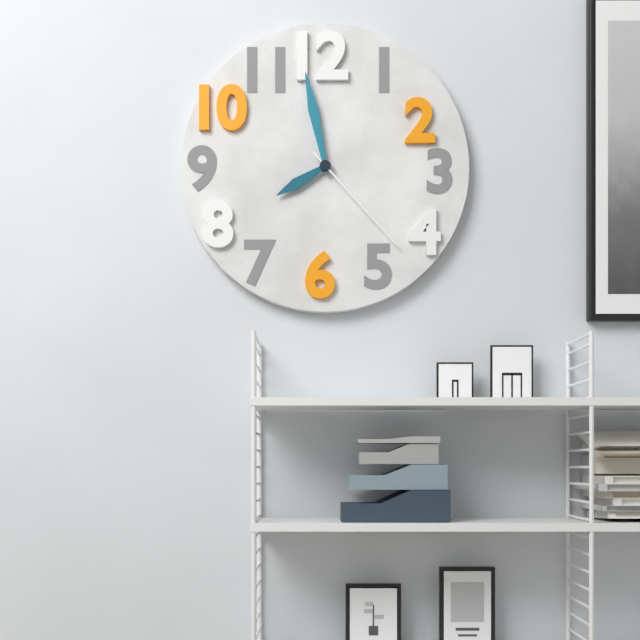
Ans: 7:58:23
